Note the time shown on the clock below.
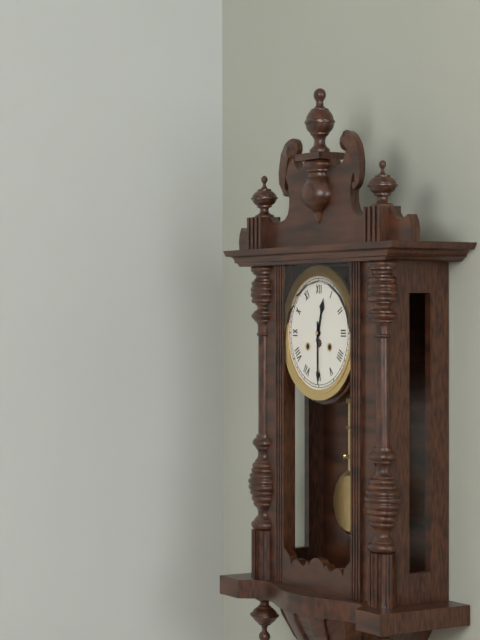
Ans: 12:30
